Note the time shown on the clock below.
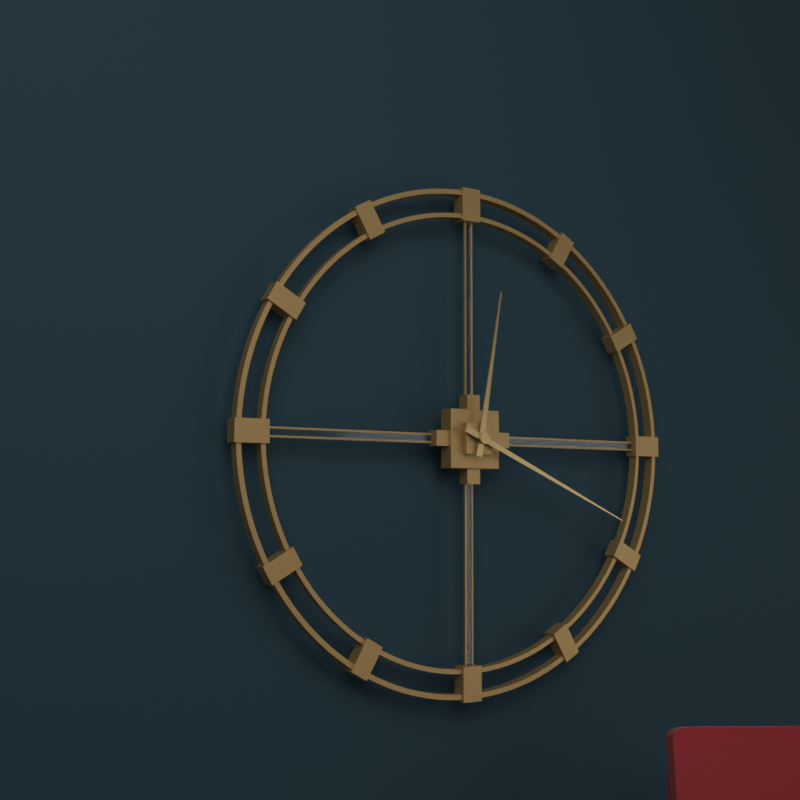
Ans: 12:19
